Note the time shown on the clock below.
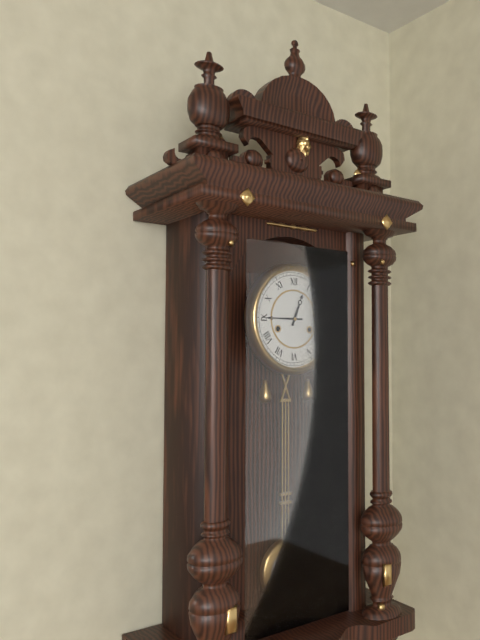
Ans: 12:45
